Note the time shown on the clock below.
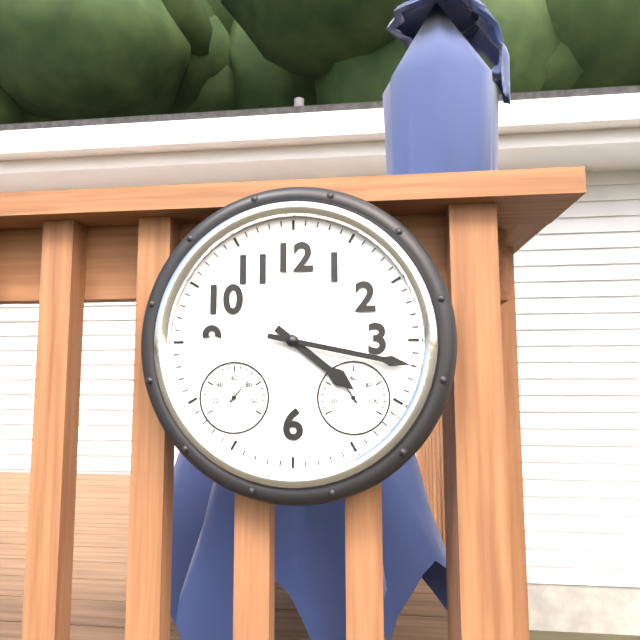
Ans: 4:17
